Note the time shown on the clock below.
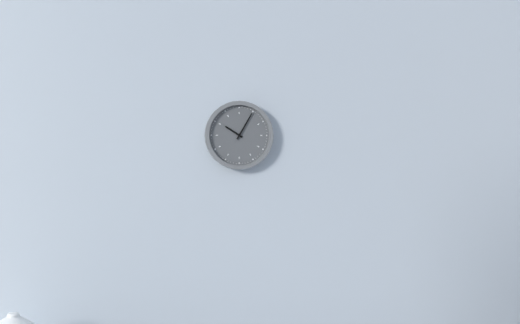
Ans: 10:05
